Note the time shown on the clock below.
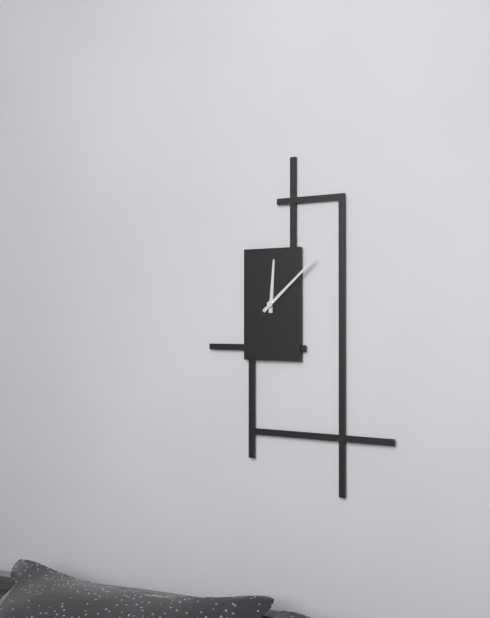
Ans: 12:08
